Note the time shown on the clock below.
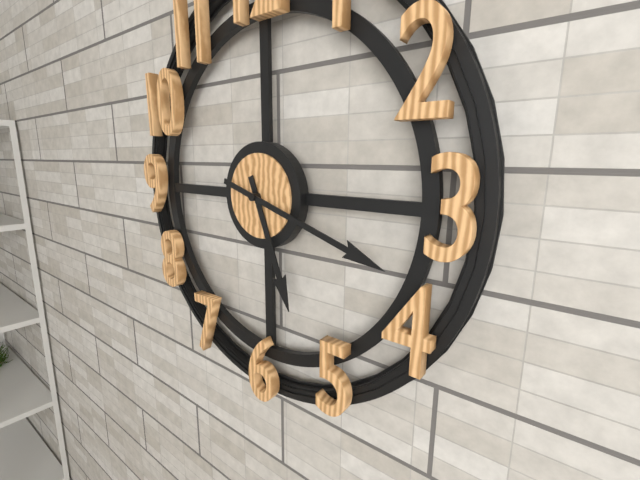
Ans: 5:18
